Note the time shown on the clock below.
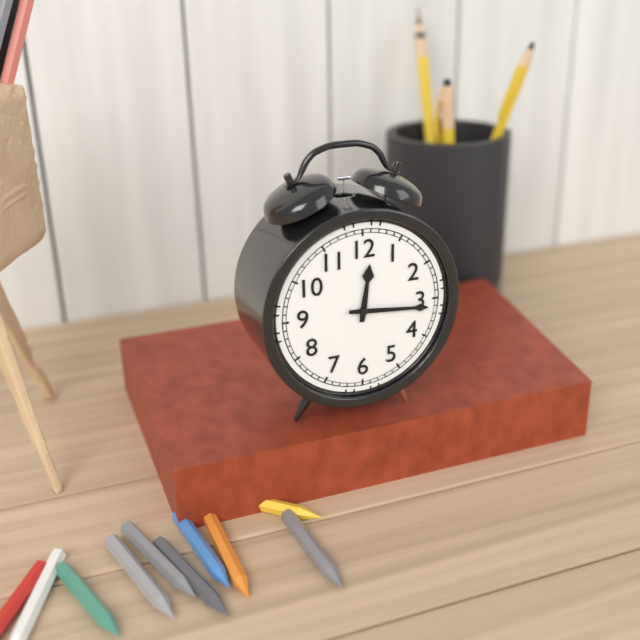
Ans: 12:16
